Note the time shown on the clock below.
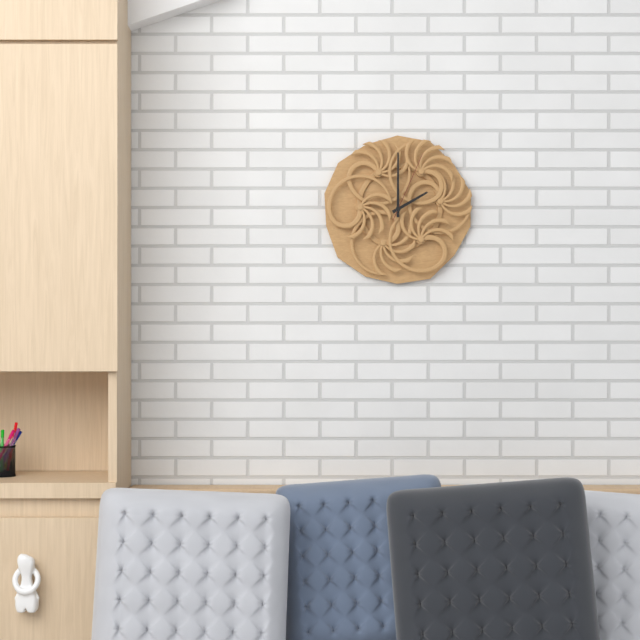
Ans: 2:00:04
